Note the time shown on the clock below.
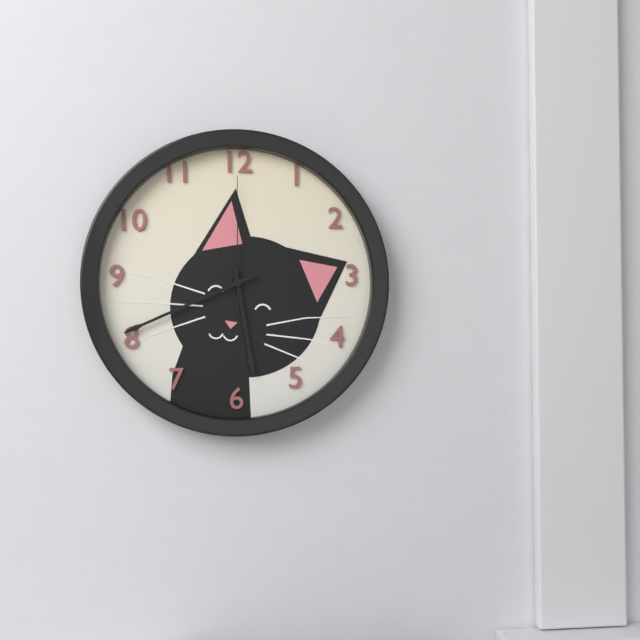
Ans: 5:41:00
